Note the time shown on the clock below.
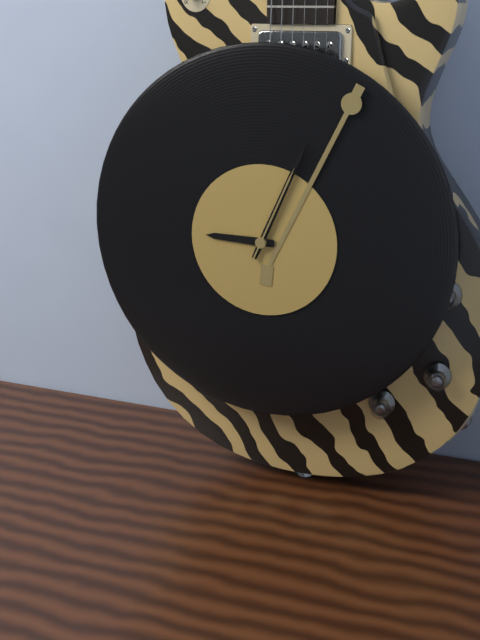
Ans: 9:04:04
